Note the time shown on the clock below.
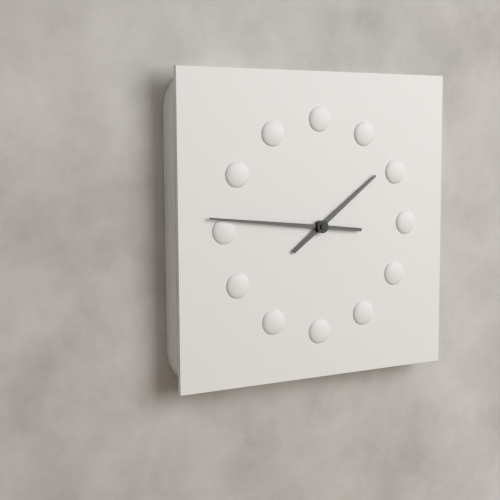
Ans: 1:46
